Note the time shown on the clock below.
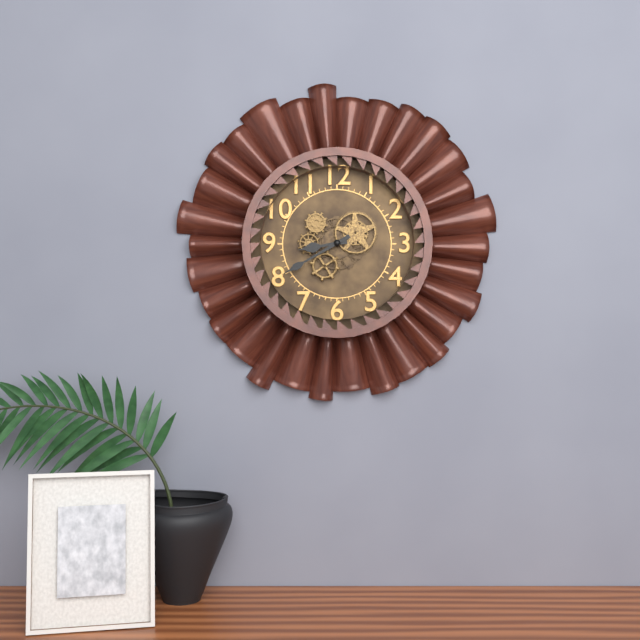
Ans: 8:40
